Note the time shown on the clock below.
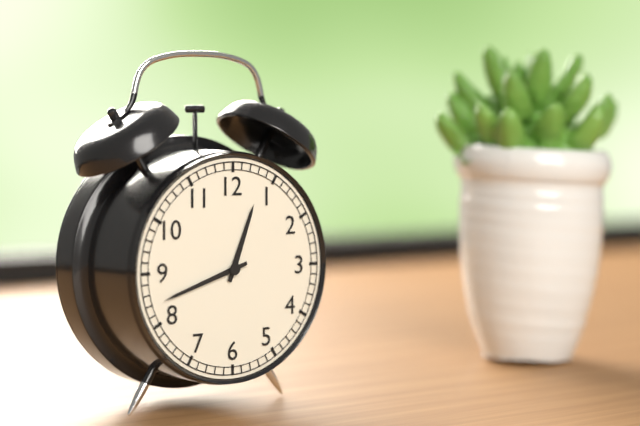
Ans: 12:42
